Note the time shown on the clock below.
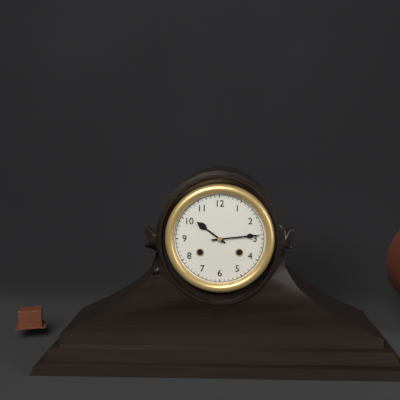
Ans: 10:14
